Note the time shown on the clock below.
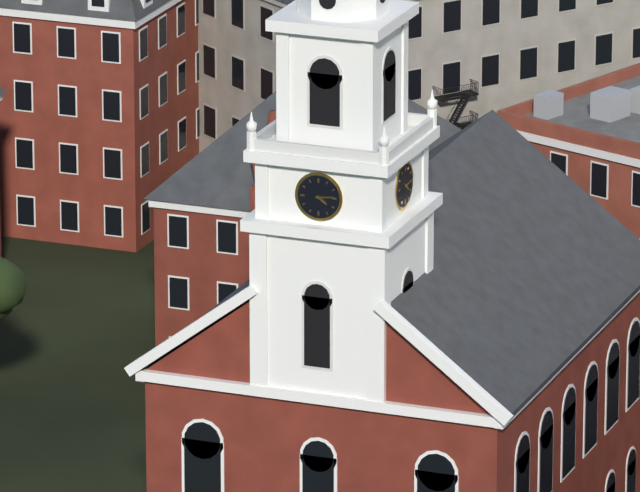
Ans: 4:14
